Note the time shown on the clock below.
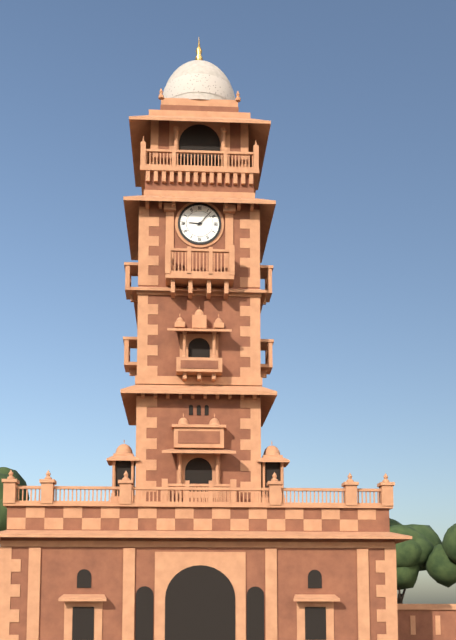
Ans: 9:07
